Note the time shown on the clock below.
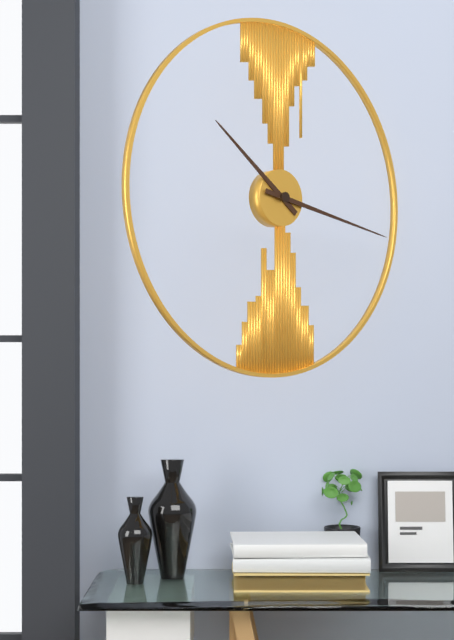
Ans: 10:17
